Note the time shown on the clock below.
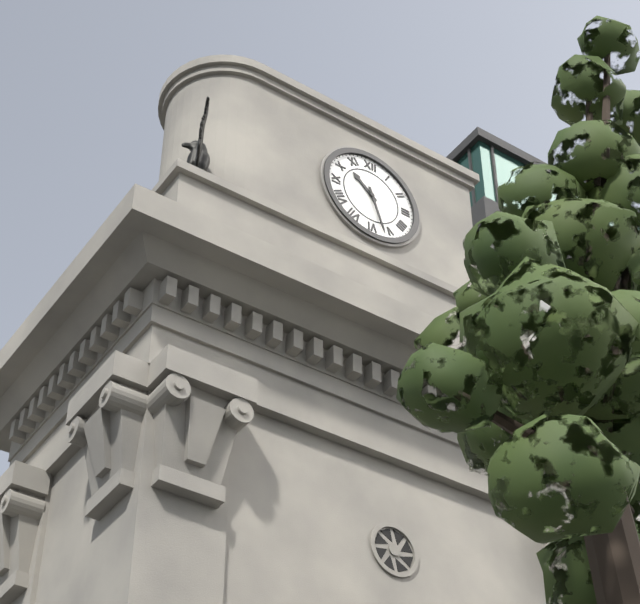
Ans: 10:27
